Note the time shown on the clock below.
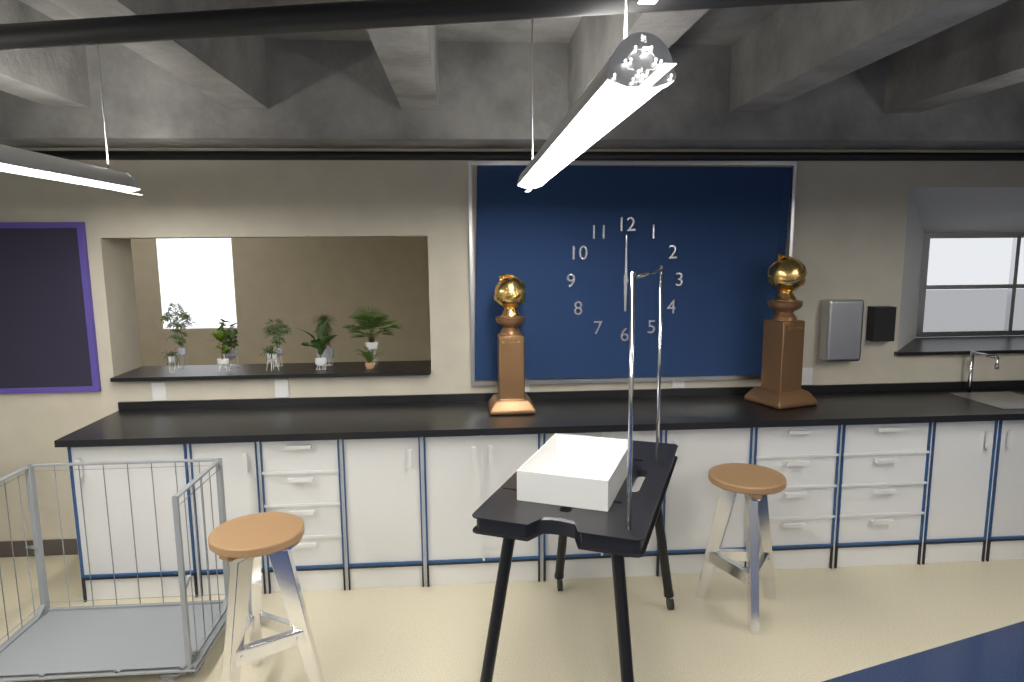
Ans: 6:00
